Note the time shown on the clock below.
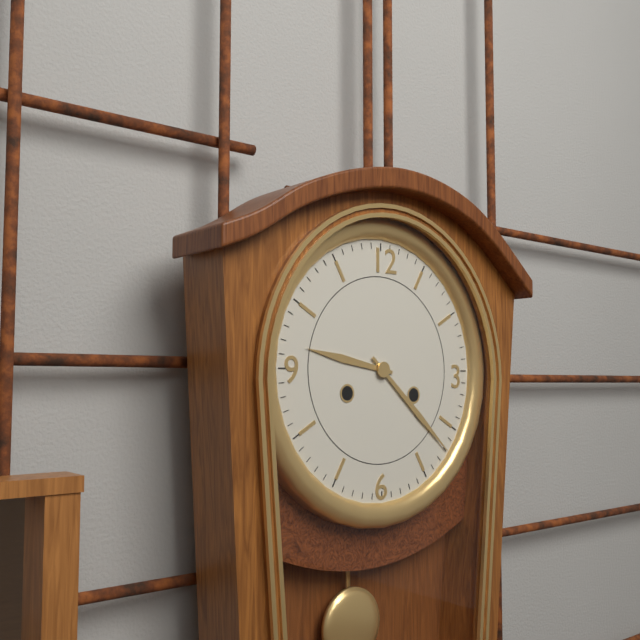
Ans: 9:22
